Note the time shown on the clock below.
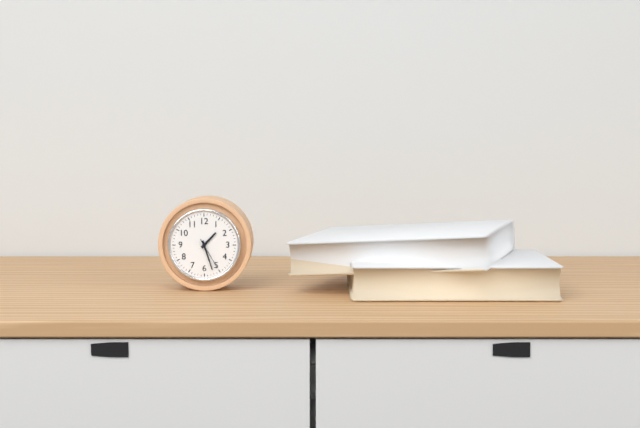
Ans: 1:27
